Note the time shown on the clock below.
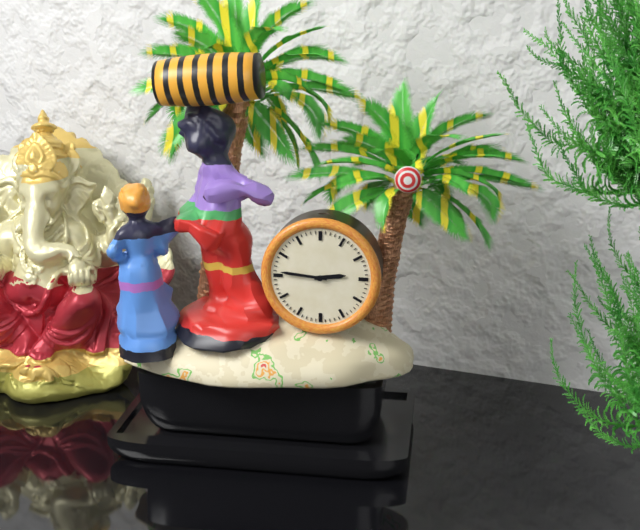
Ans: 2:46
